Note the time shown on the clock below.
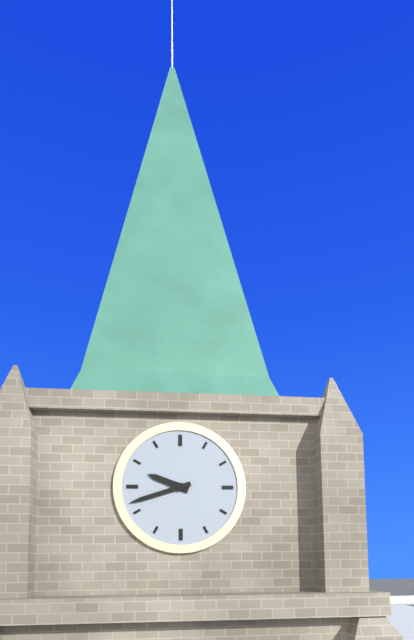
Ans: 9:42
